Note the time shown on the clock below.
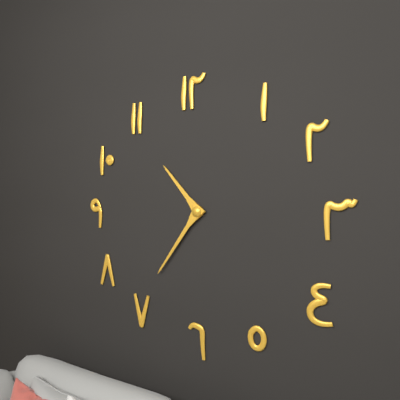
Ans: 10:36
